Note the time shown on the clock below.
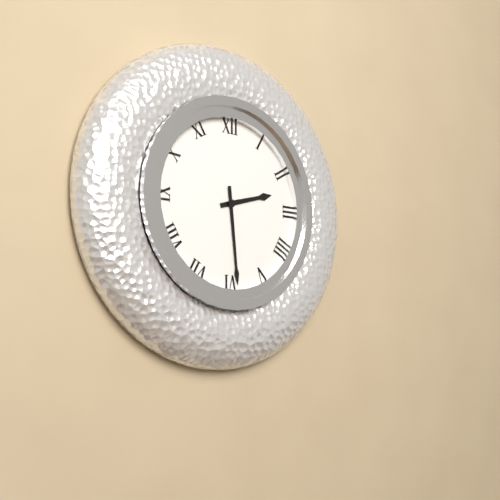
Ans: 2:29
